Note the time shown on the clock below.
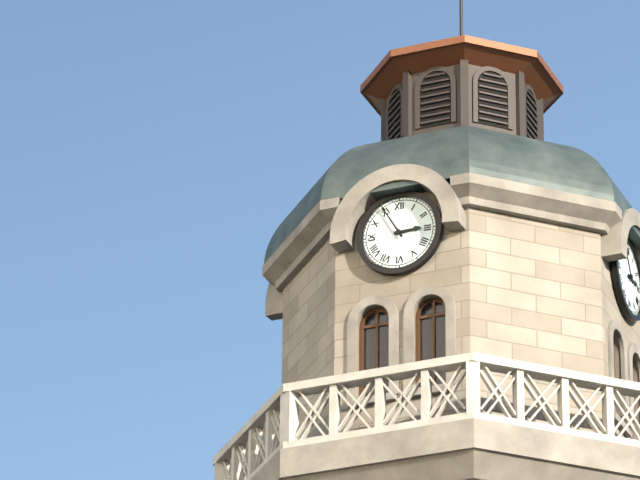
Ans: 2:55
